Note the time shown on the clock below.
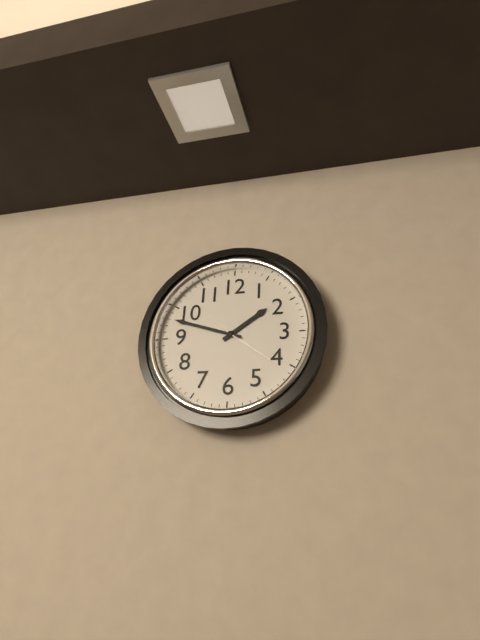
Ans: 1:48:21
